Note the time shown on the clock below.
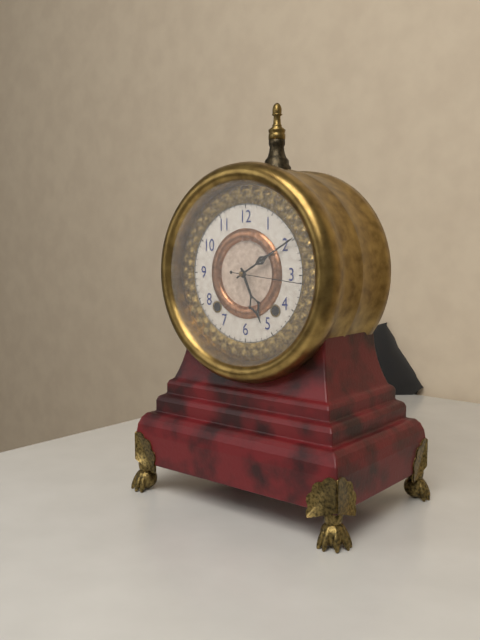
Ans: 5:10:16
